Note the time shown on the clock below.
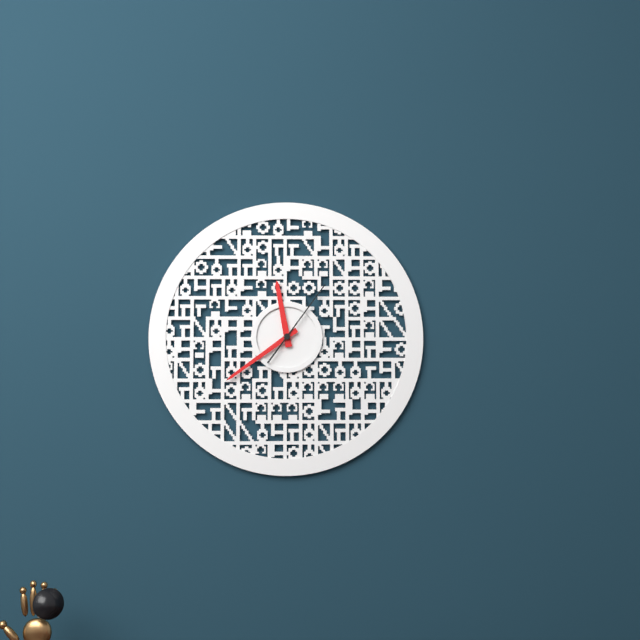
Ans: 11:39:06
